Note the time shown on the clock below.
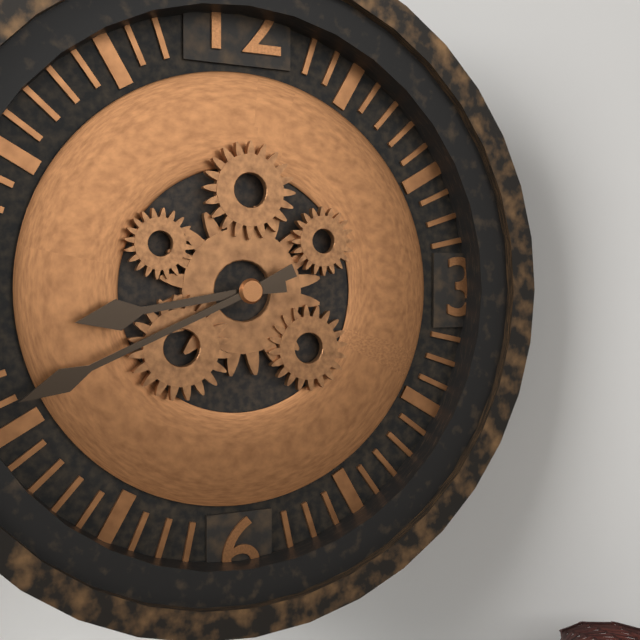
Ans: 8:41
